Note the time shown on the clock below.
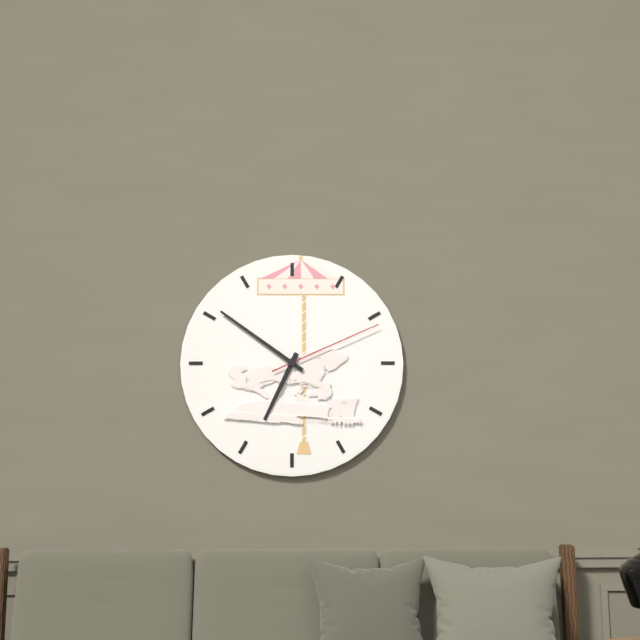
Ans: 6:51:11
